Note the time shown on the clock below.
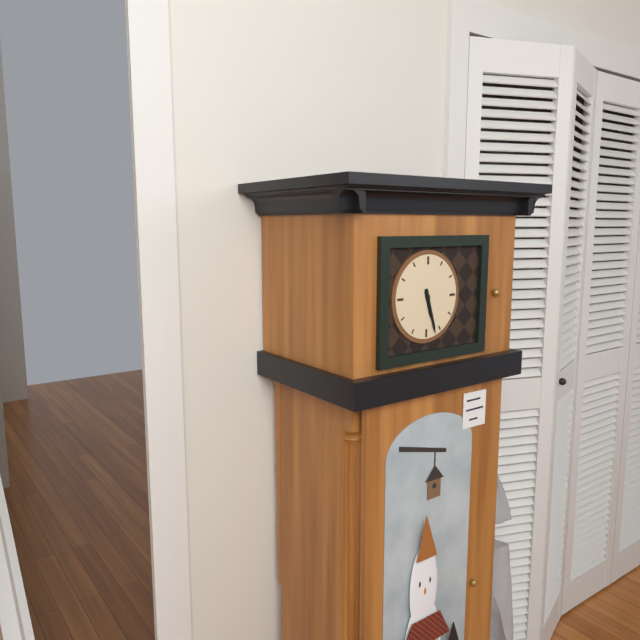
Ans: 5:27
